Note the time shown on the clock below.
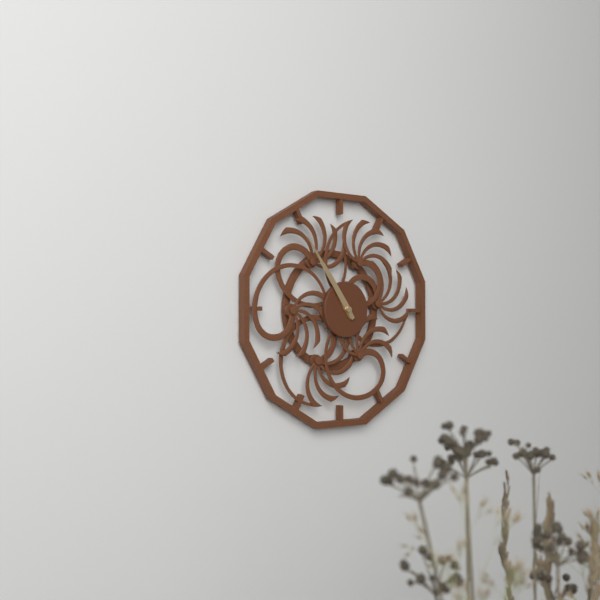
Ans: 10:54
